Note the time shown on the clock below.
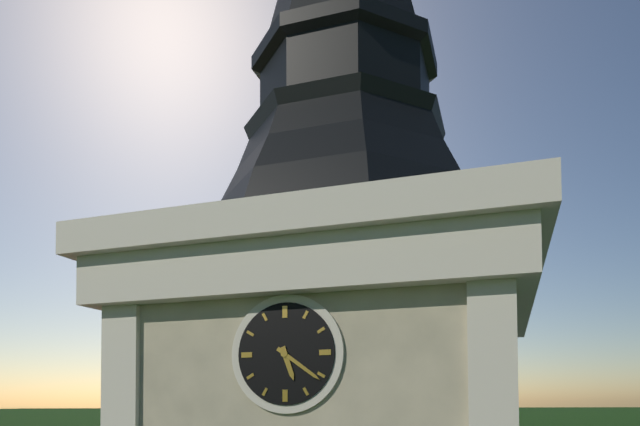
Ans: 5:21
